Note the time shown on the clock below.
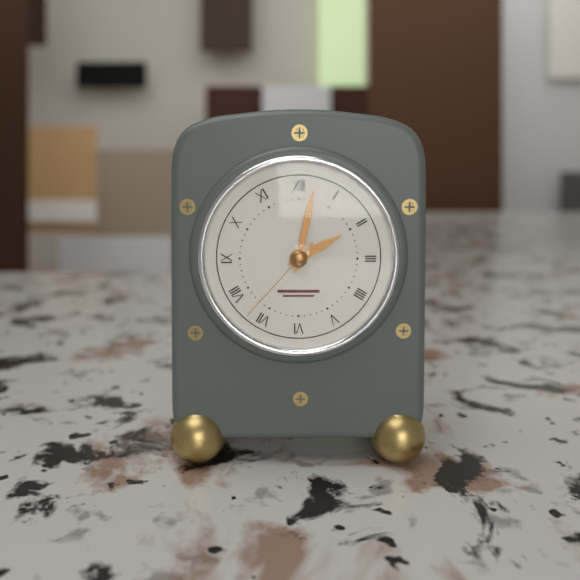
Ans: 2:02:37
